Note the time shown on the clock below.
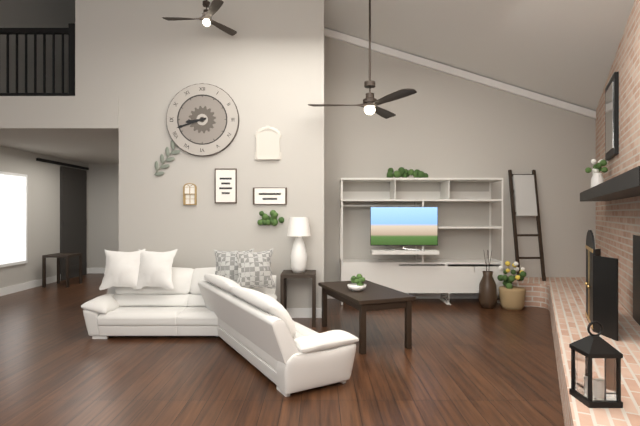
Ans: 8:42
